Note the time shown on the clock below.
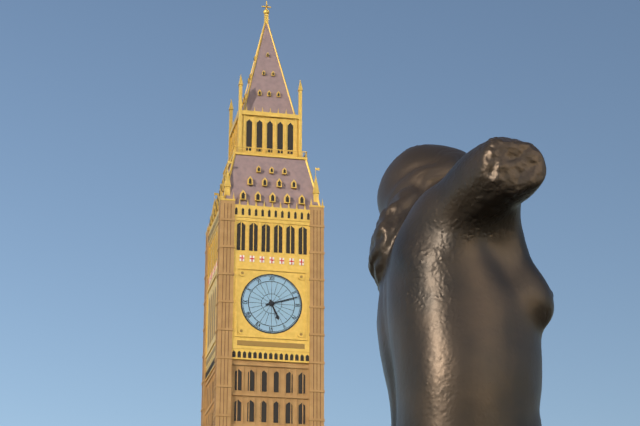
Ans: 5:12
